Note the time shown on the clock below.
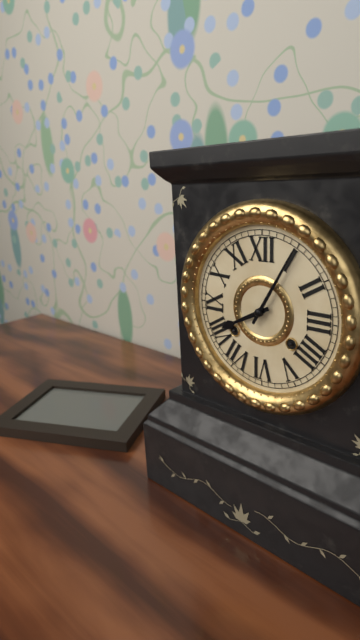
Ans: 8:05
